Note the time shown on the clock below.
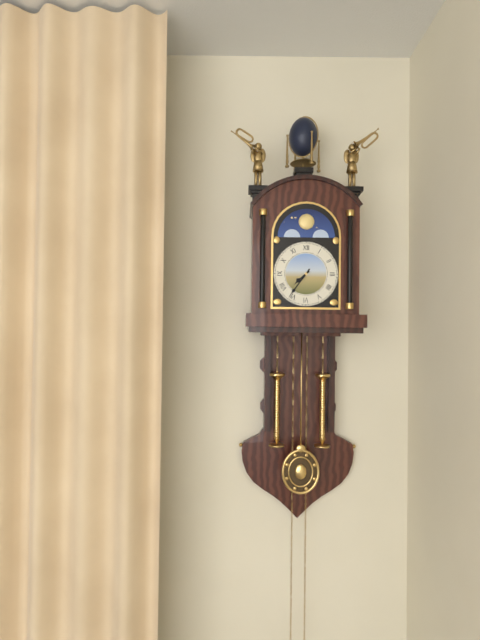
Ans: 7:36
